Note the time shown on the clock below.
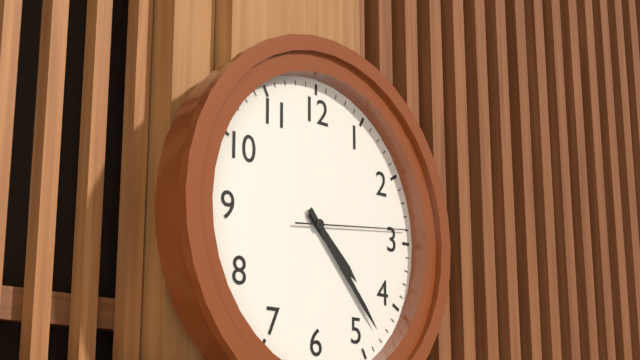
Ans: 4:23:14
